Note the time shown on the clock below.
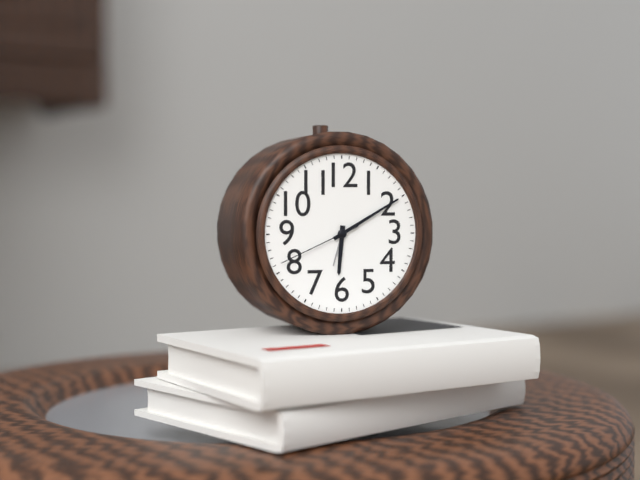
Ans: 6:10:41
